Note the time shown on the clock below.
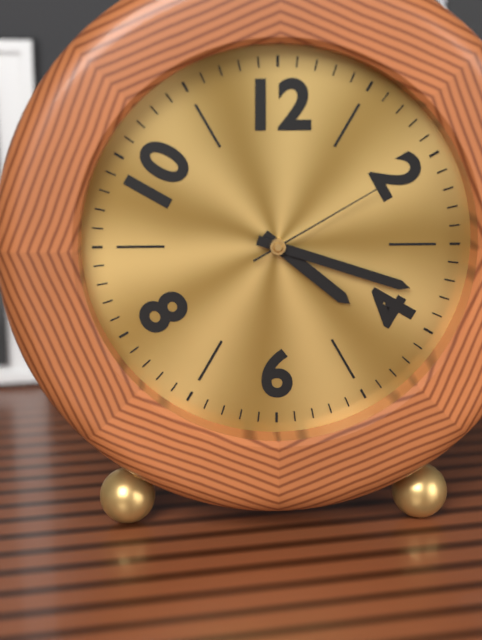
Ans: 4:18:10
